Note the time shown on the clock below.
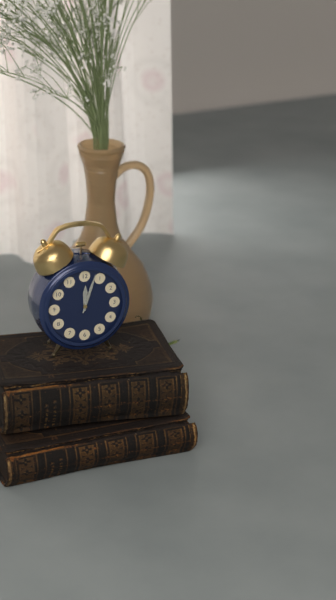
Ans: 12:03
